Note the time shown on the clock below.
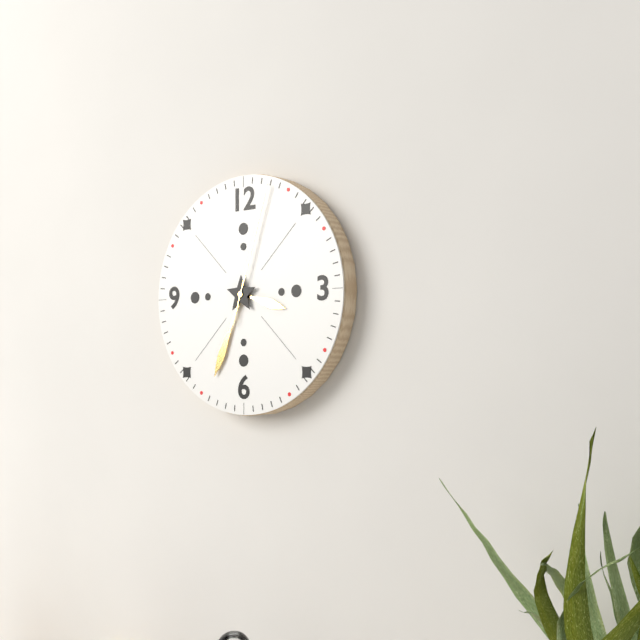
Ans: 3:34:03
